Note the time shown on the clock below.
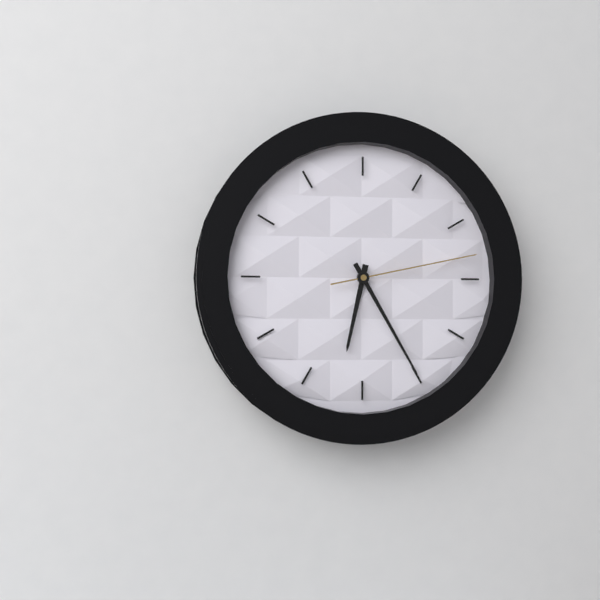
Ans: 6:25:13
